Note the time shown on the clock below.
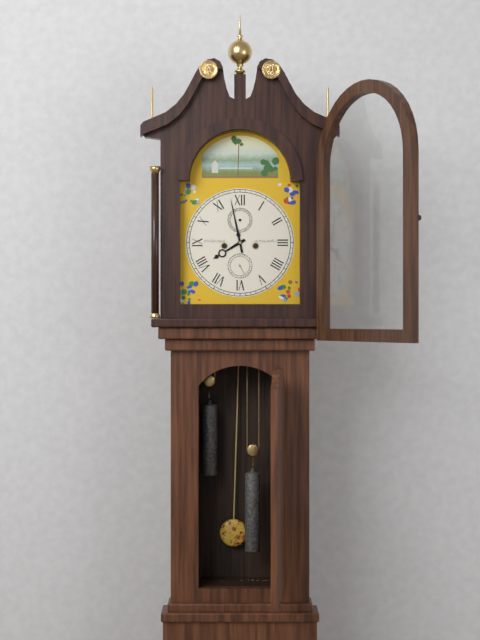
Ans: 7:58
